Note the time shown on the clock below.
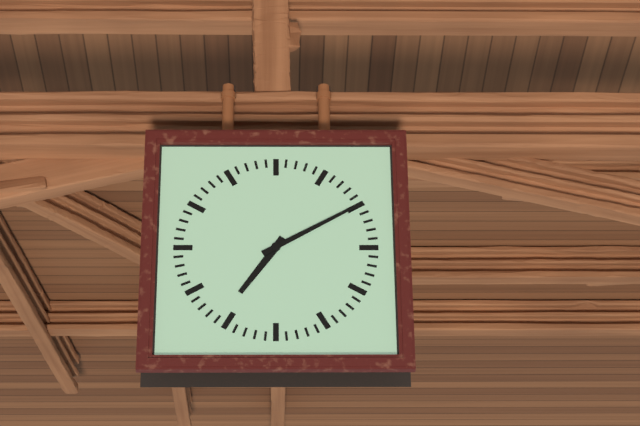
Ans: 7:10
